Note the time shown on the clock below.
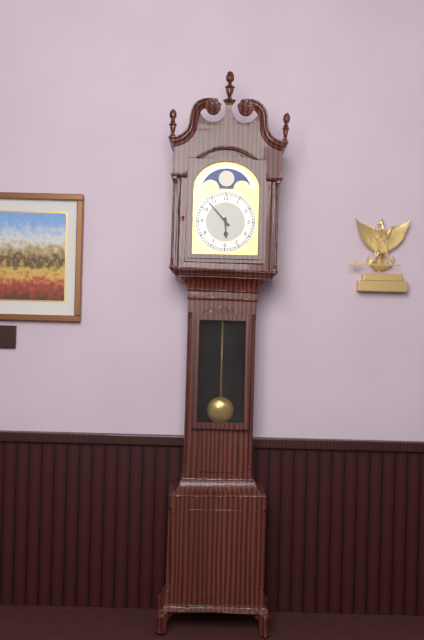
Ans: 5:53
